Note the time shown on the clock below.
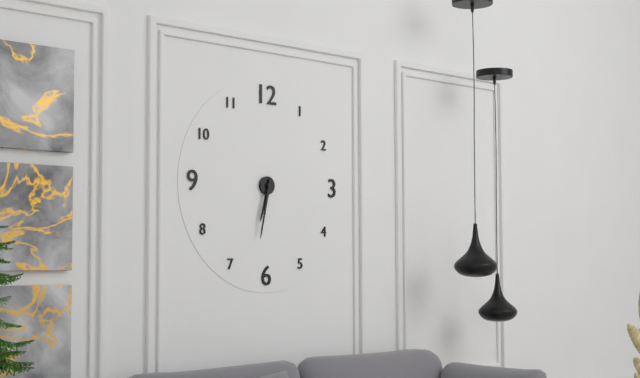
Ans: 6:32
